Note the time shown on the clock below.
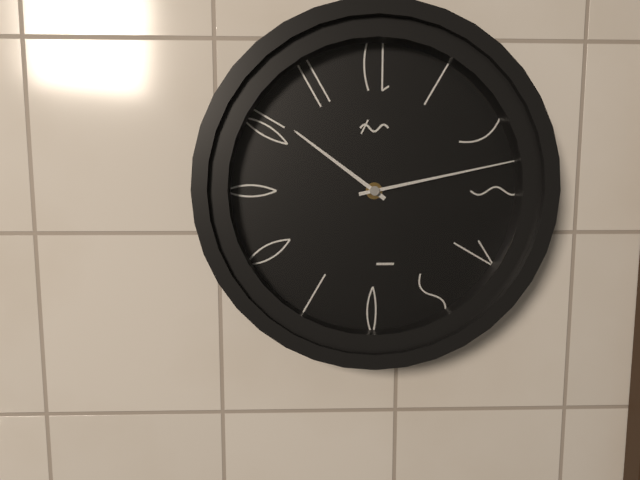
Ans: 10:13
